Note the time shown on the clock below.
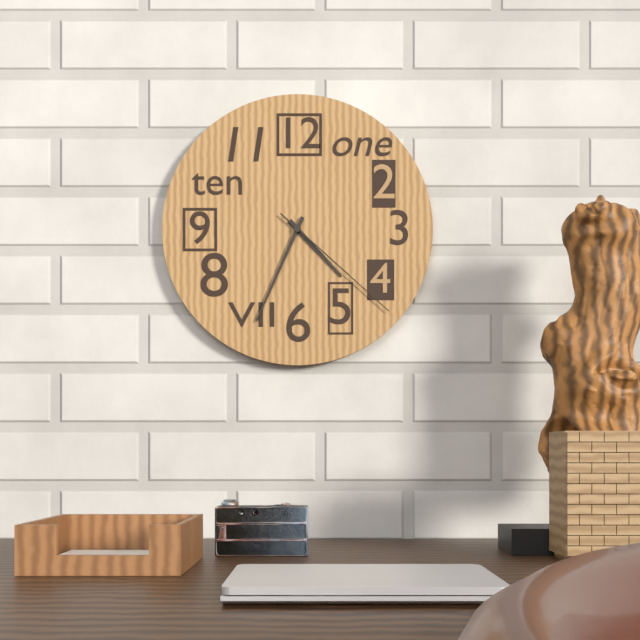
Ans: 4:34:22
